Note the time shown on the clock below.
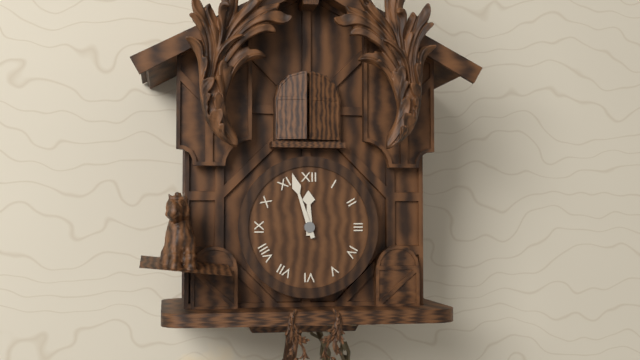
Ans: 11:57
